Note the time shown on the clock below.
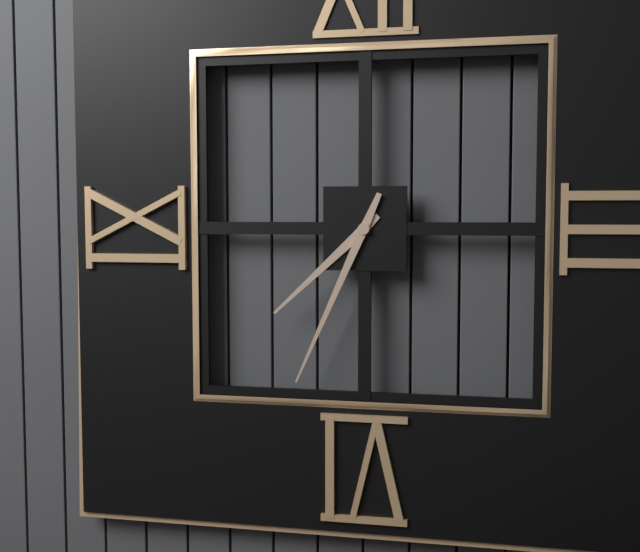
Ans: 7:34
